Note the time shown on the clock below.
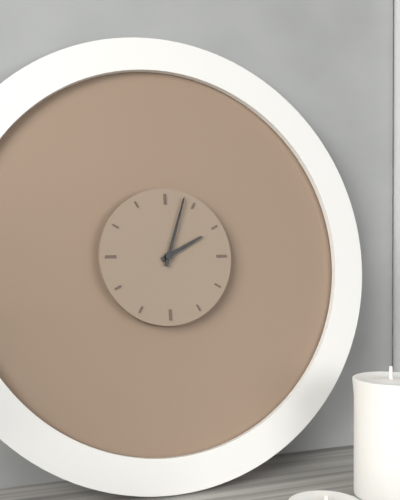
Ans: 2:03
